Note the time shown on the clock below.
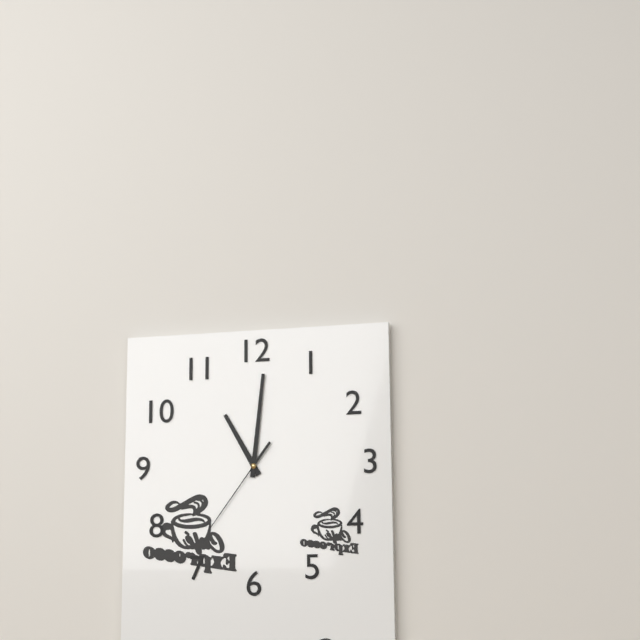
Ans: 11:01:36
